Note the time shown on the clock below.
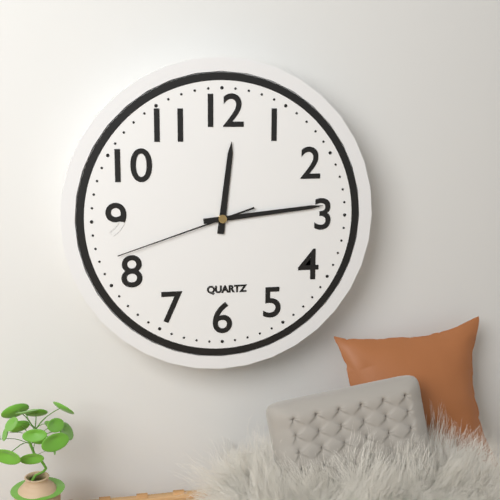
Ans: 12:14:42
